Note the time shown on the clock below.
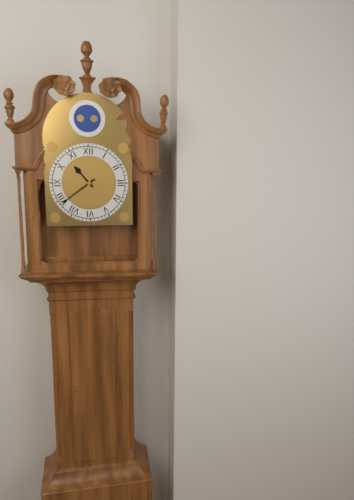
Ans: 10:39
